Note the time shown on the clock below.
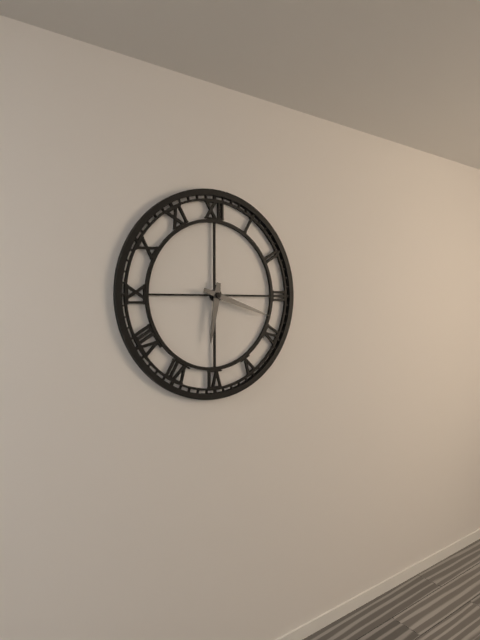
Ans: 6:18
